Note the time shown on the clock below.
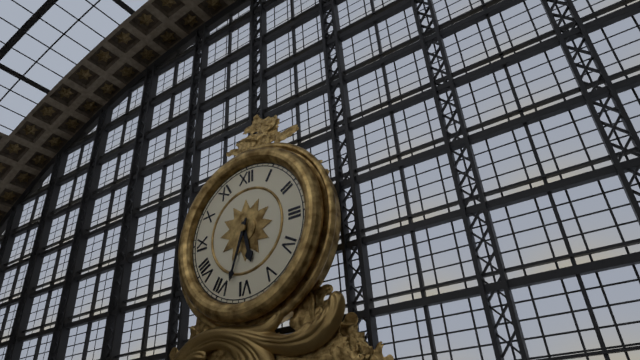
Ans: 5:33
